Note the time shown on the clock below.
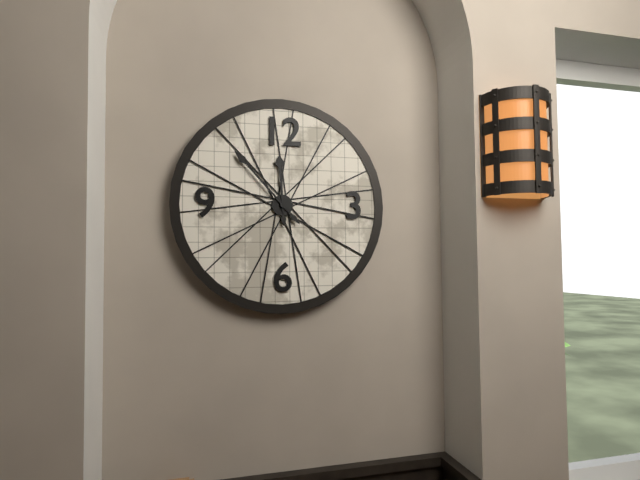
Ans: 11:53
